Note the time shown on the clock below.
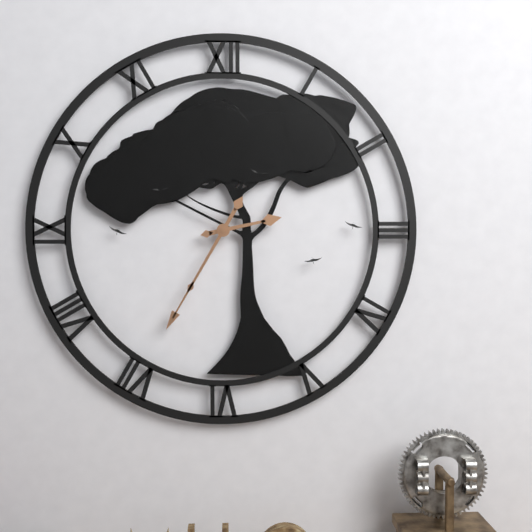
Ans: 2:35
